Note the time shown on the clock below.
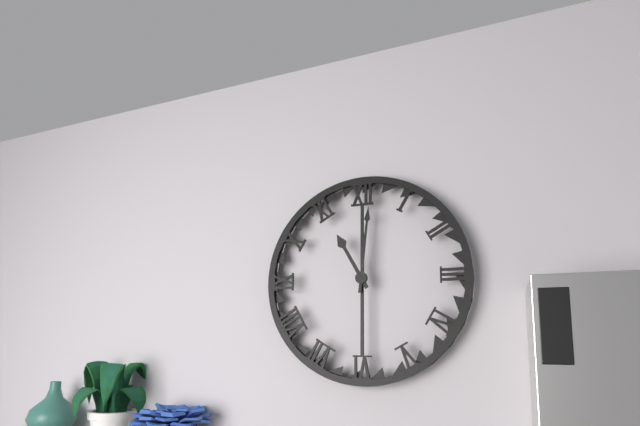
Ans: 11:01
